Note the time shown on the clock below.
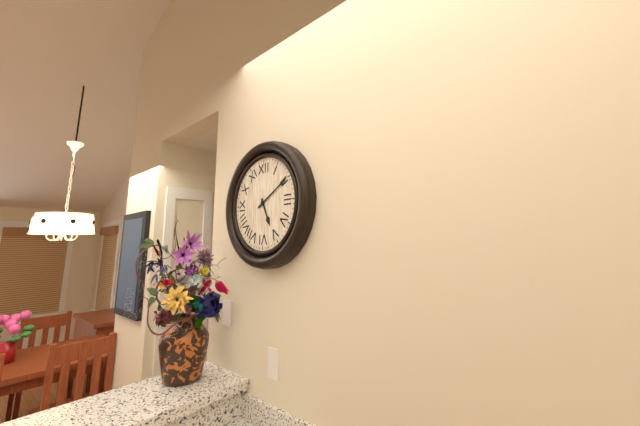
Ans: 5:10
